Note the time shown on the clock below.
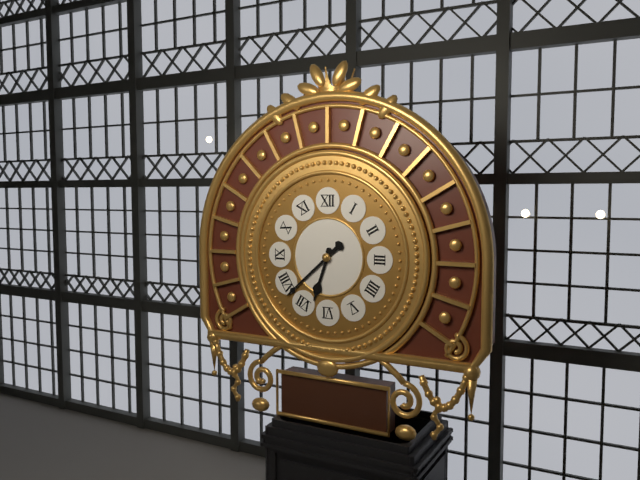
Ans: 6:38
